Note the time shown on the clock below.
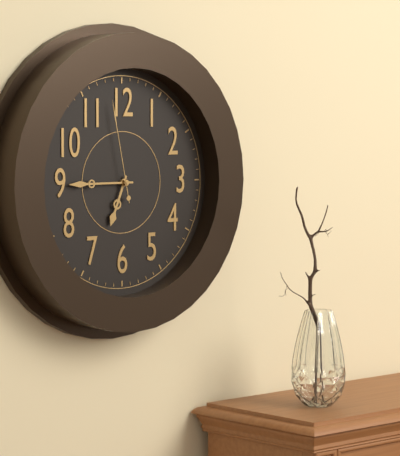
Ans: 6:45:58
